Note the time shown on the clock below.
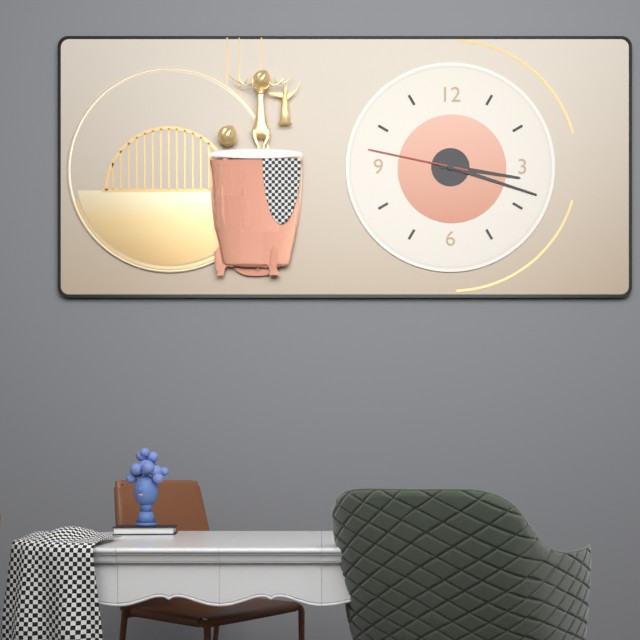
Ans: 3:18:47
